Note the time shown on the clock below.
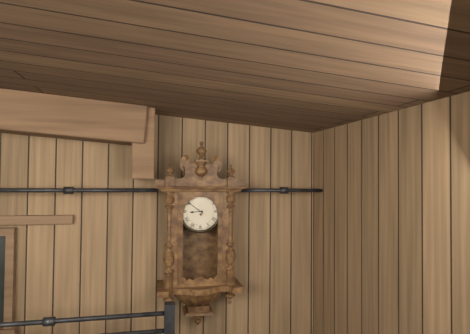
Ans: 8:51
